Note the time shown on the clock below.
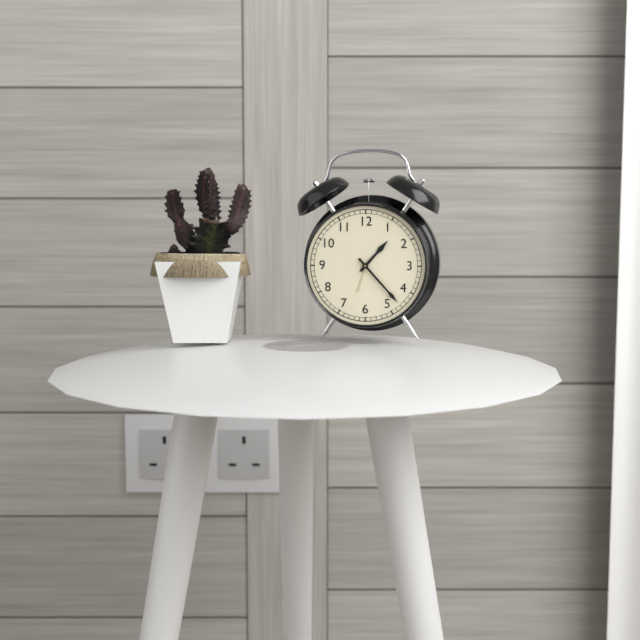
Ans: 1:23
